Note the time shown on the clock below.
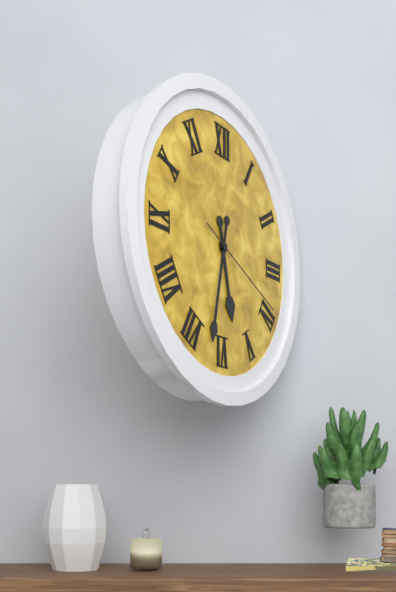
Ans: 5:32:19
